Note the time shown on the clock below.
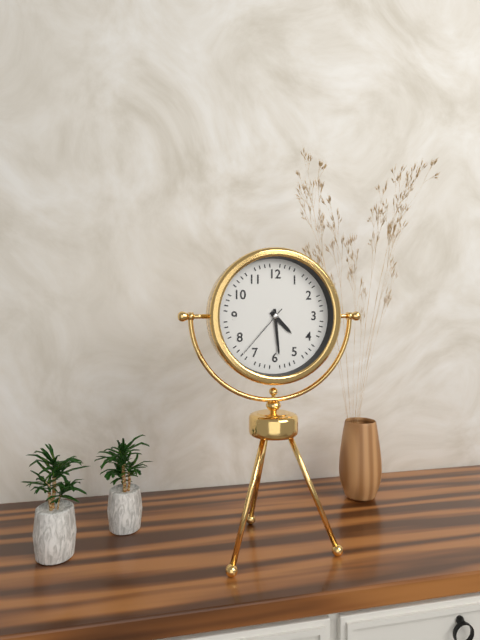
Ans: 4:29:37
